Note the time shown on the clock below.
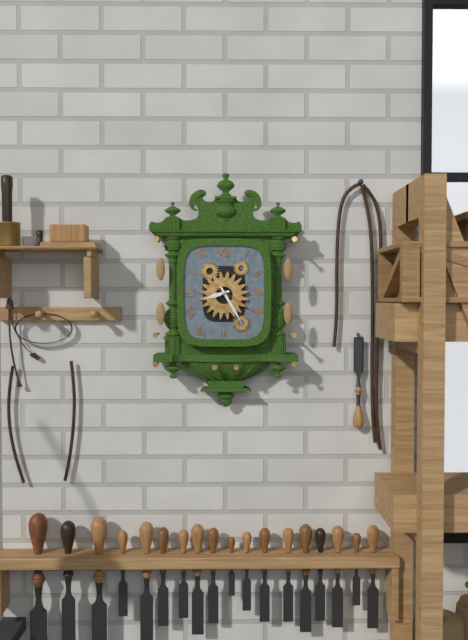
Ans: 8:25
